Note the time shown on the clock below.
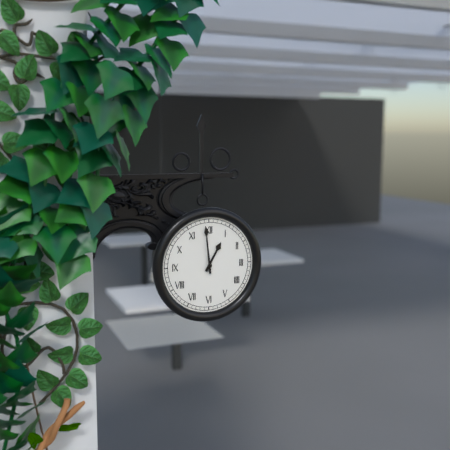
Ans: 12:59
